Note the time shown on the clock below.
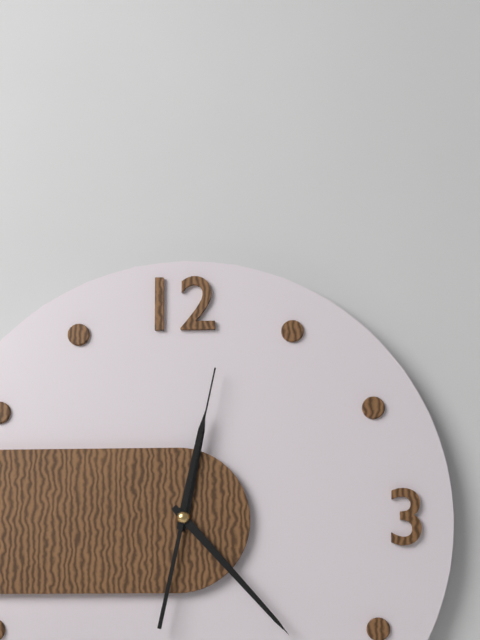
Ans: 12:23:02
